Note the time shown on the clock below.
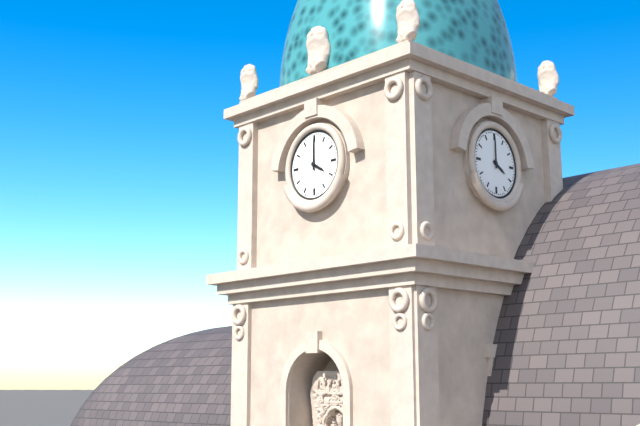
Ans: 4:00
